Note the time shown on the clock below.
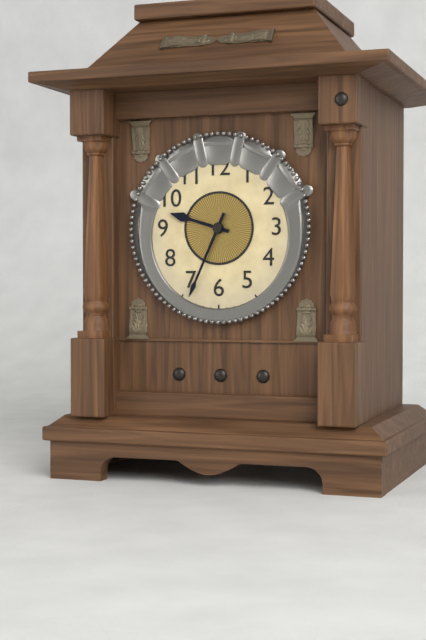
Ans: 9:34
